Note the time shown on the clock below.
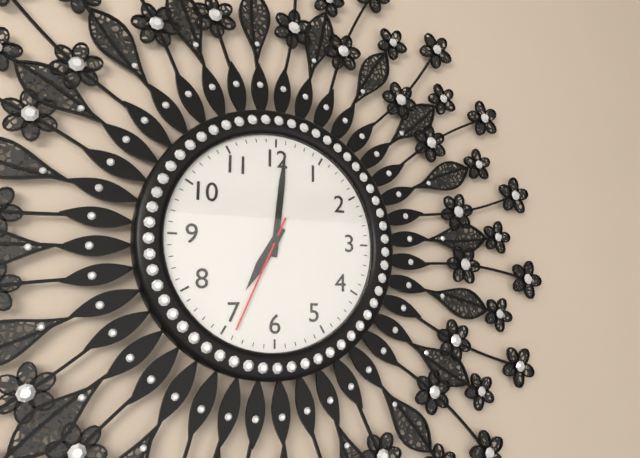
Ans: 7:01:34
